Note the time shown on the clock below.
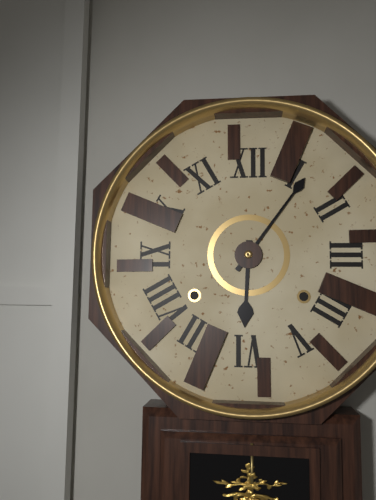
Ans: 6:06
